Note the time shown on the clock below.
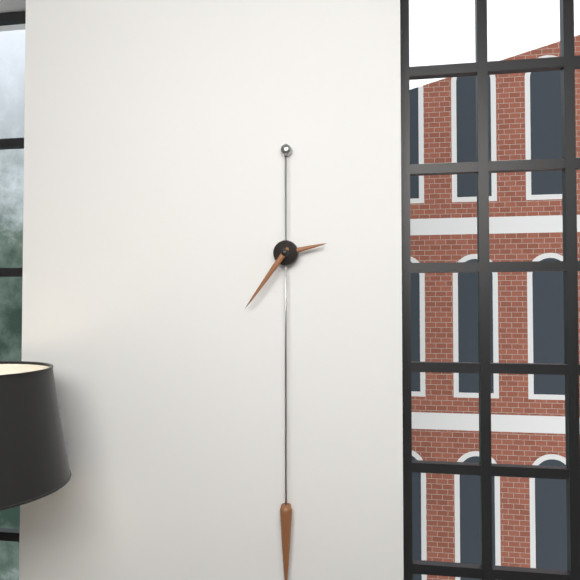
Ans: 2:36
